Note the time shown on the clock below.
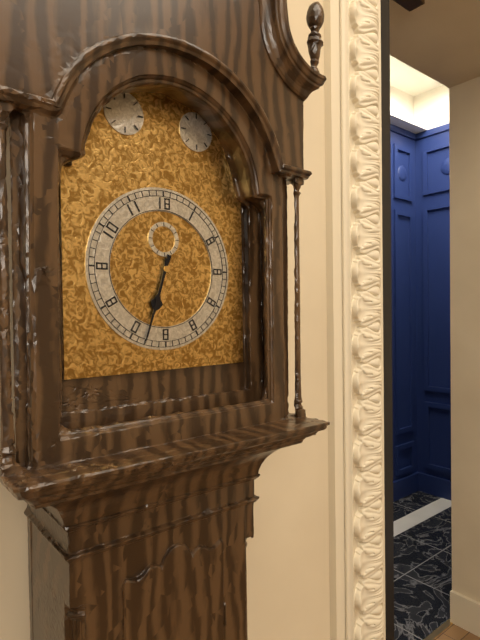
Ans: 6:33
